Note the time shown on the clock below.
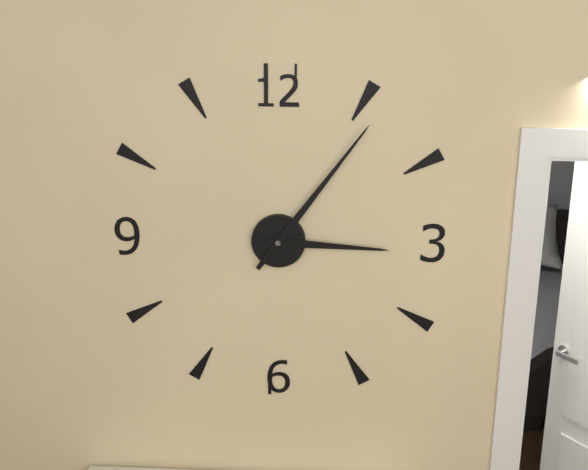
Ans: 3:06
